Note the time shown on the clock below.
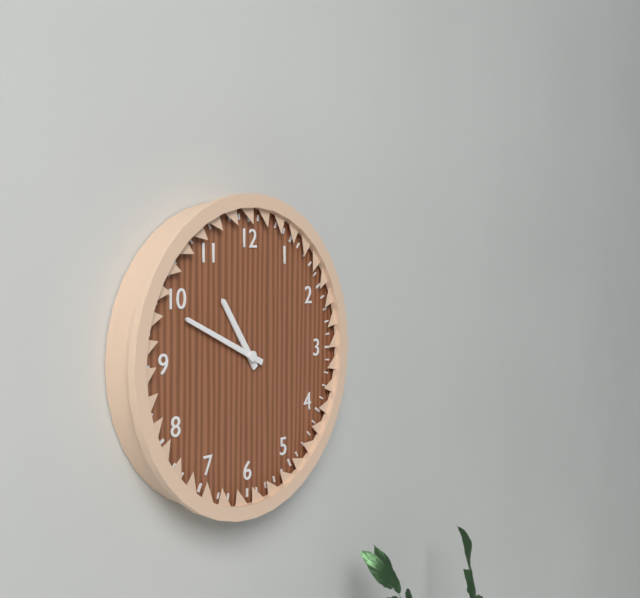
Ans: 10:49
